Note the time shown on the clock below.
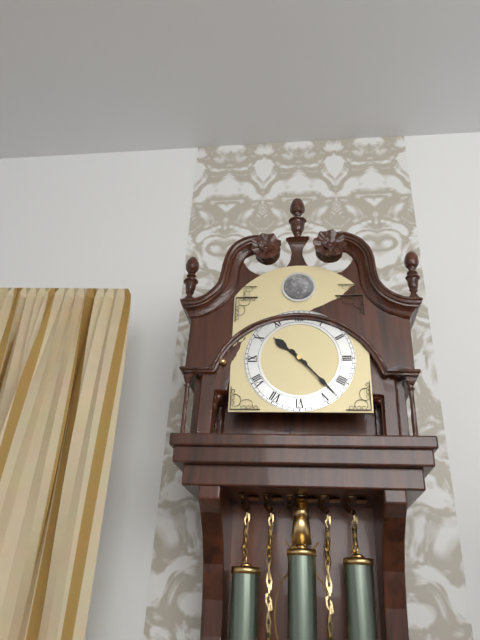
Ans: 10:23
